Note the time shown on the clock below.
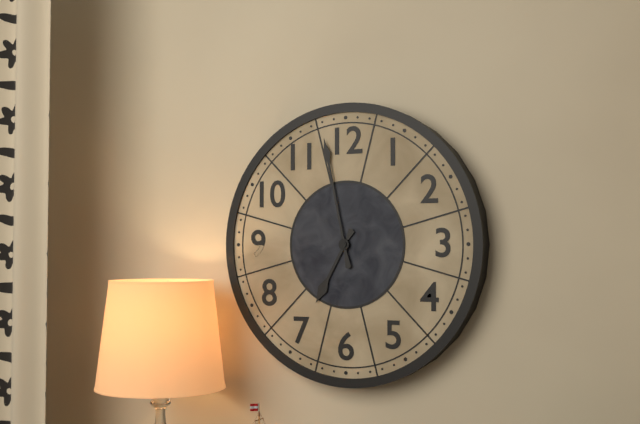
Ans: 6:58
